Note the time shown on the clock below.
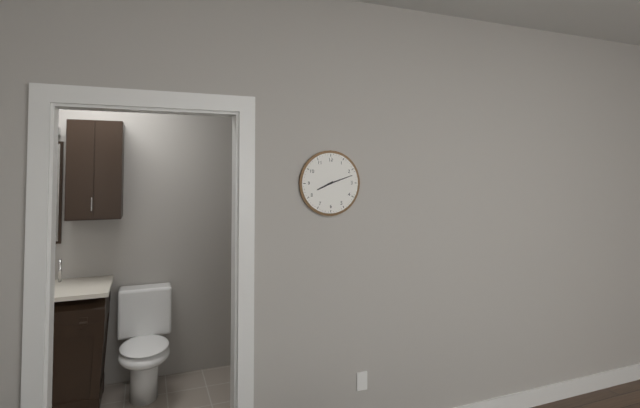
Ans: 8:12
